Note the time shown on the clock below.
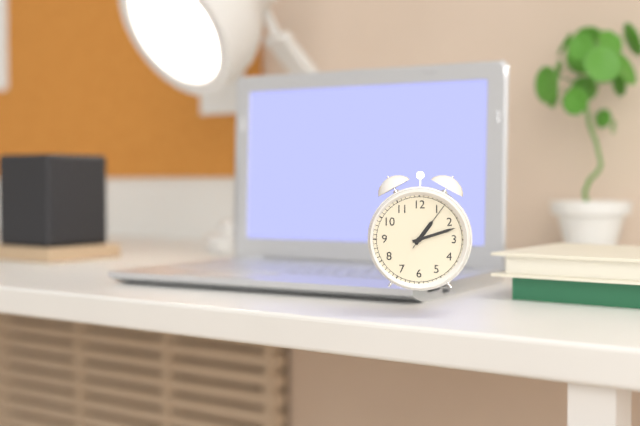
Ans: 1:12:06
